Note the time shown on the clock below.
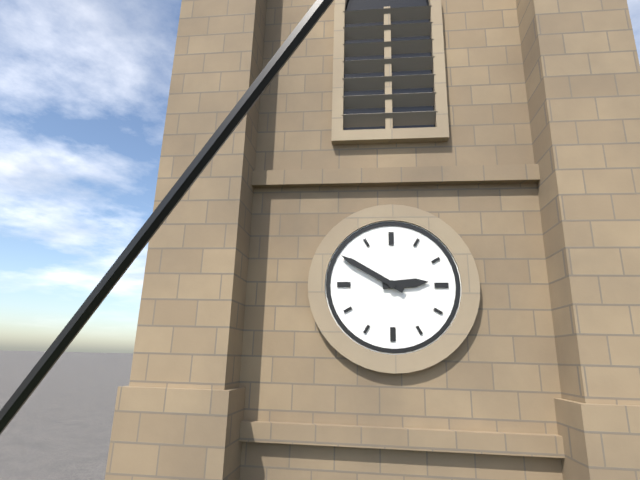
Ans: 2:50
